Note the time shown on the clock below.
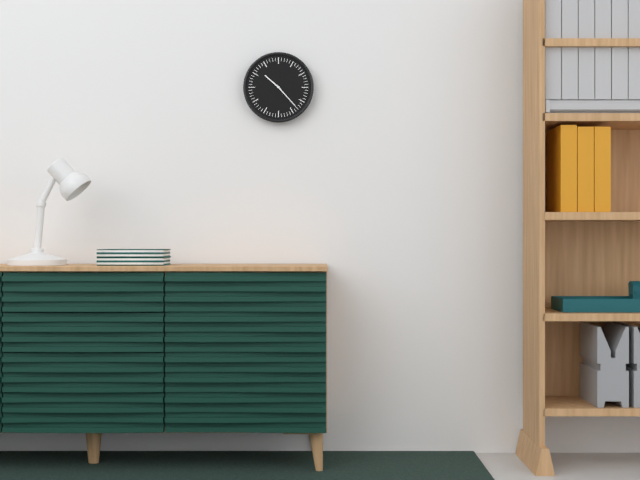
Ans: 10:23
